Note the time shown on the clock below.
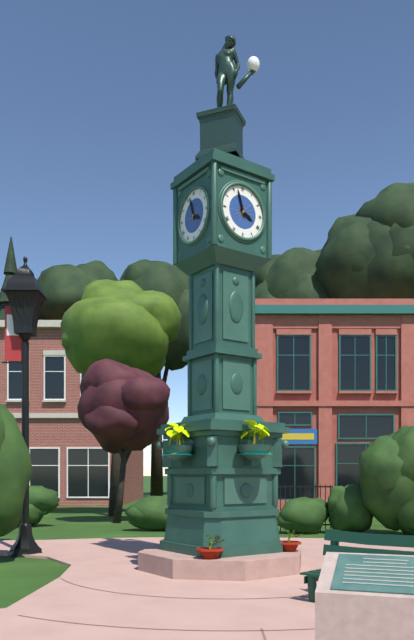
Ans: 3:57
